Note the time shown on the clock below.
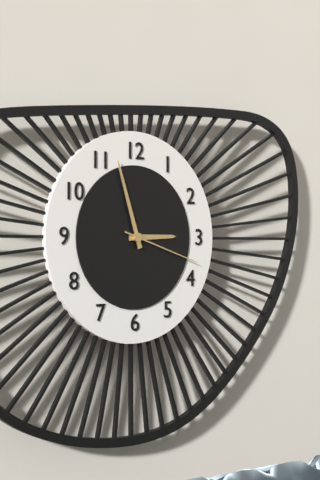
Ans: 2:57:18
